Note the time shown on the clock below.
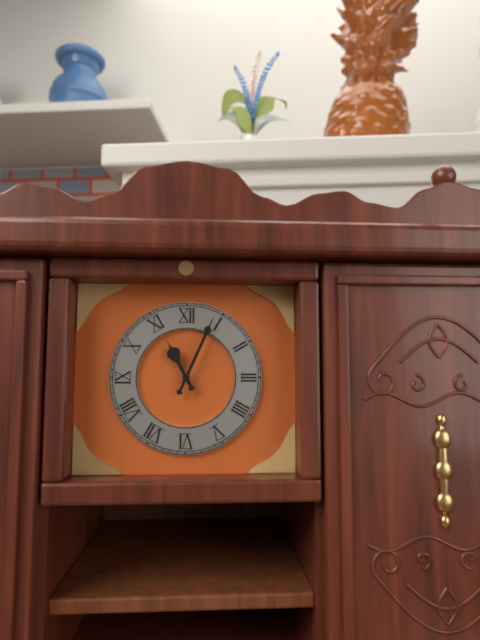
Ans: 11:04
